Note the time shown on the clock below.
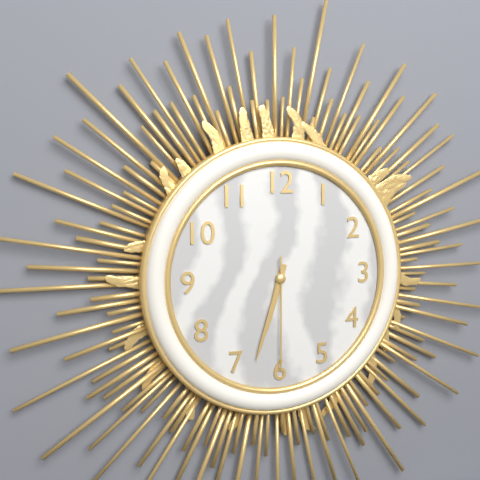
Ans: 6:33:30
